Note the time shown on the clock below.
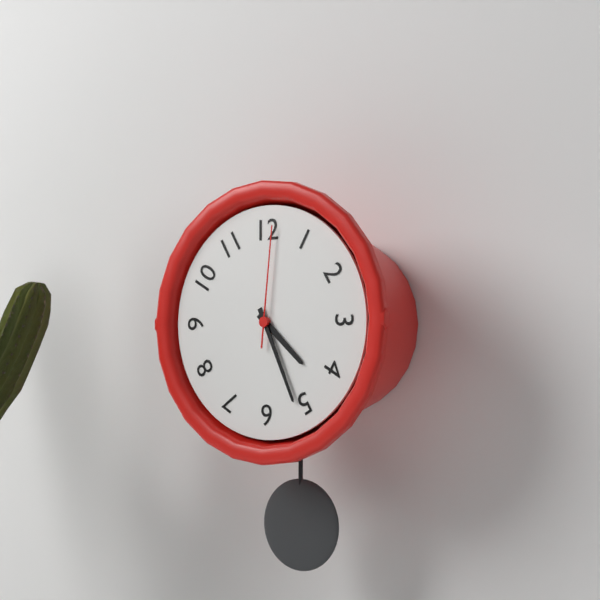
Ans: 4:26:01
